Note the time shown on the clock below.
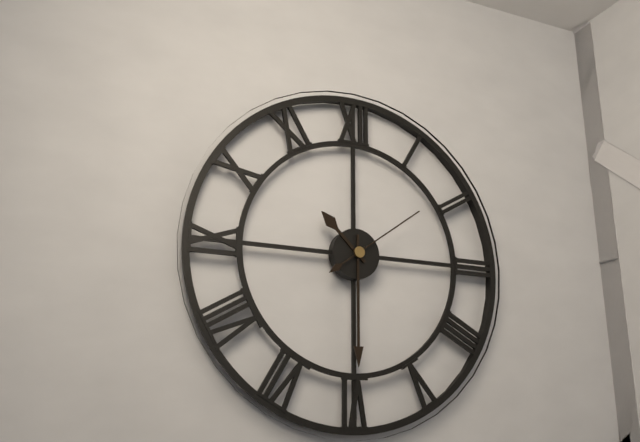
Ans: 10:30:09
